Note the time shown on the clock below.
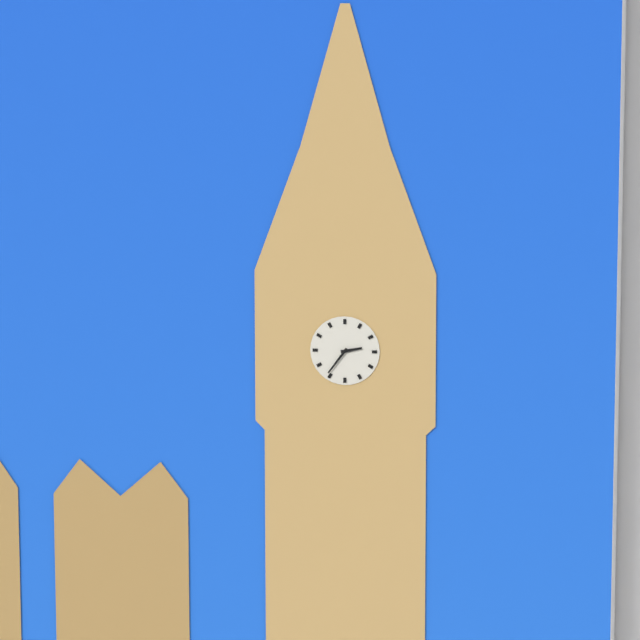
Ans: 2:36
